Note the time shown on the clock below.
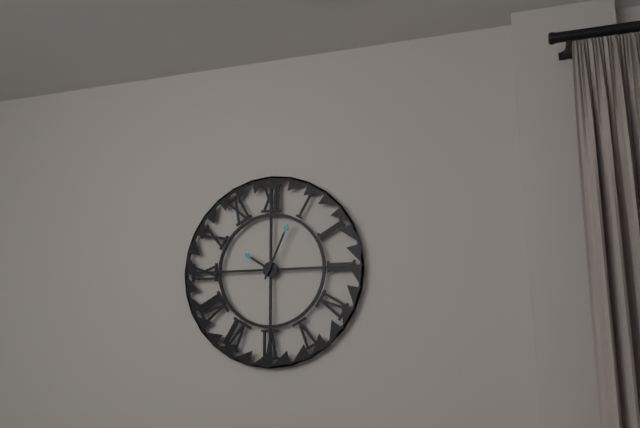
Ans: 10:04
